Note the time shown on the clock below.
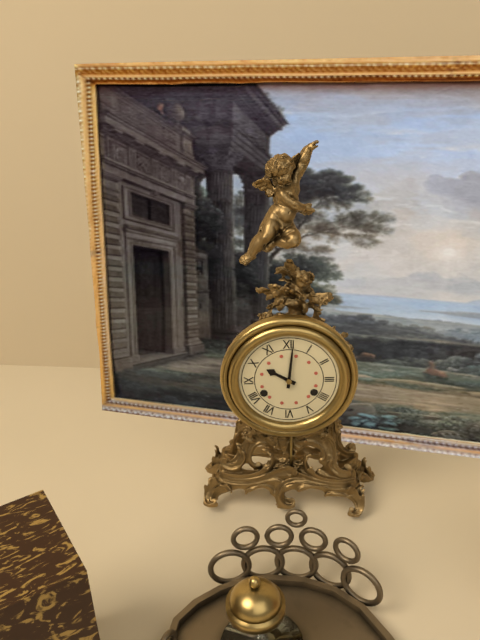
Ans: 10:01
